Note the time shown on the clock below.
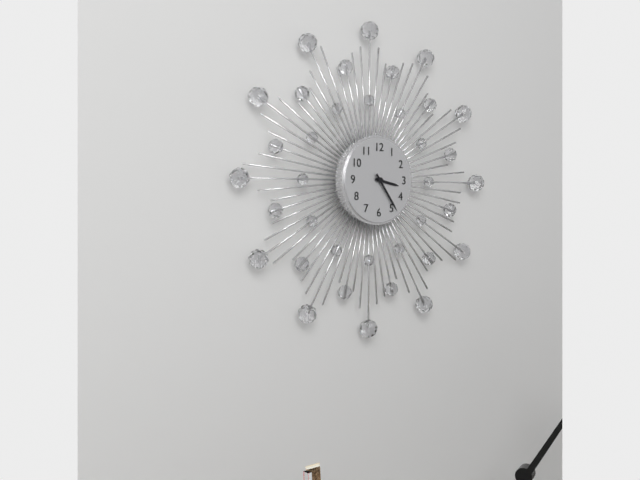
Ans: 3:24
